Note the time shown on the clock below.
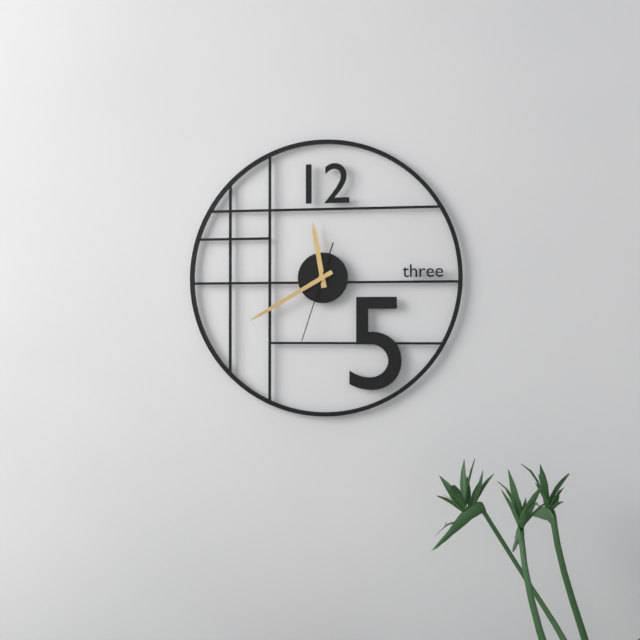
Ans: 11:40:33
